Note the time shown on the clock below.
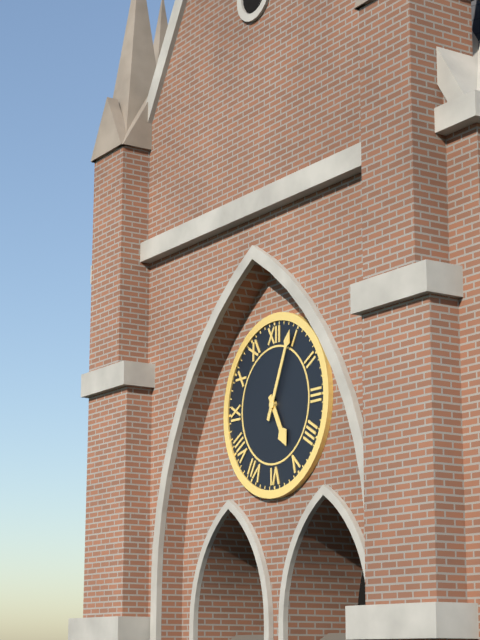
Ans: 5:04
